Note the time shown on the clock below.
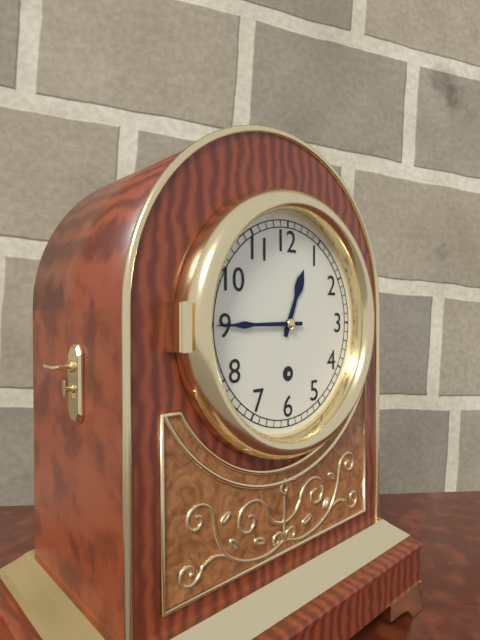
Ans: 12:45
